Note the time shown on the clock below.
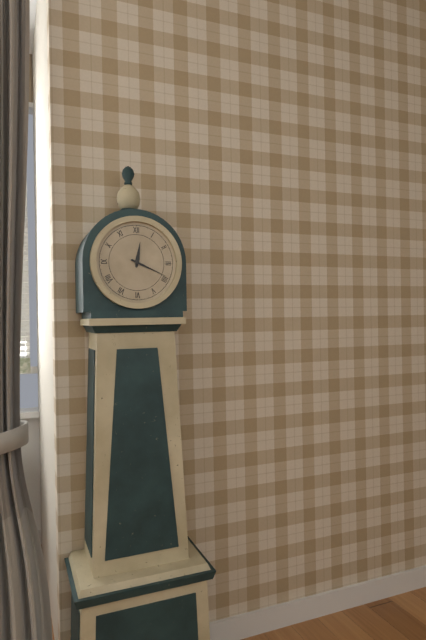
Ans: 12:19
